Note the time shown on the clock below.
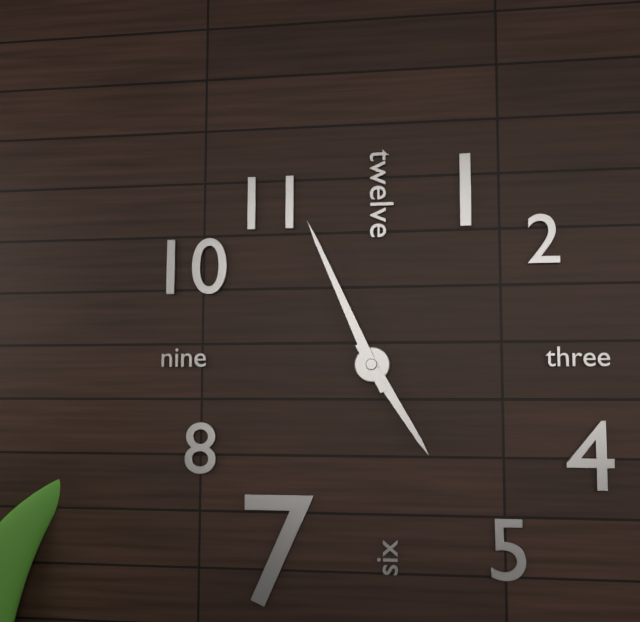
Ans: 4:56
